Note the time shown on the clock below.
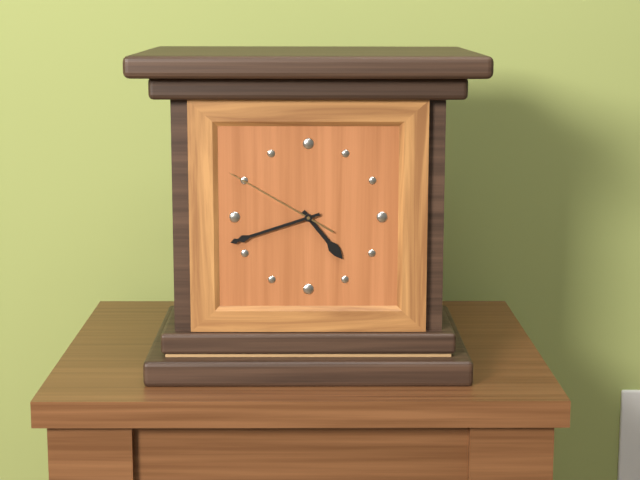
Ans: 4:42:50
